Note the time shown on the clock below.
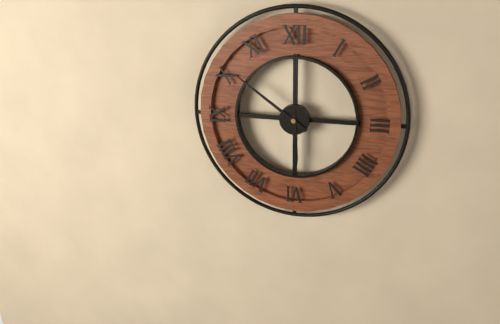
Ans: 5:51
